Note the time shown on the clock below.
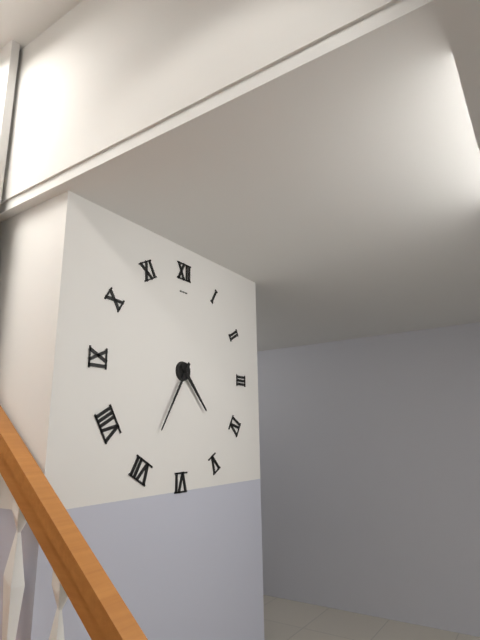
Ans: 4:35
